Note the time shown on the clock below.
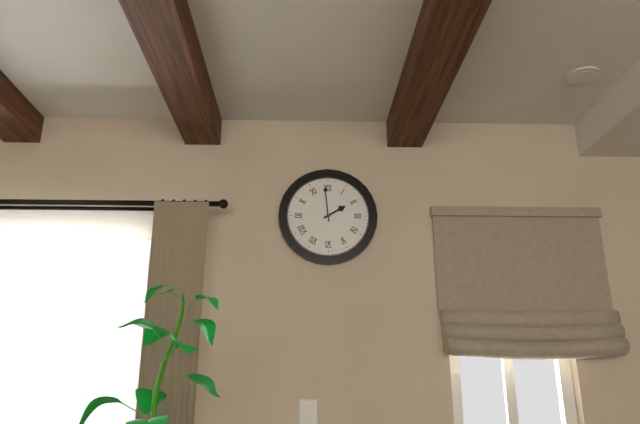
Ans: 1:59
